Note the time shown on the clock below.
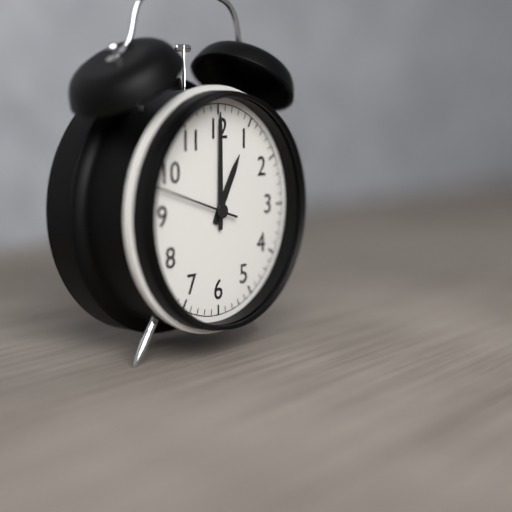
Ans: 1:00:48
